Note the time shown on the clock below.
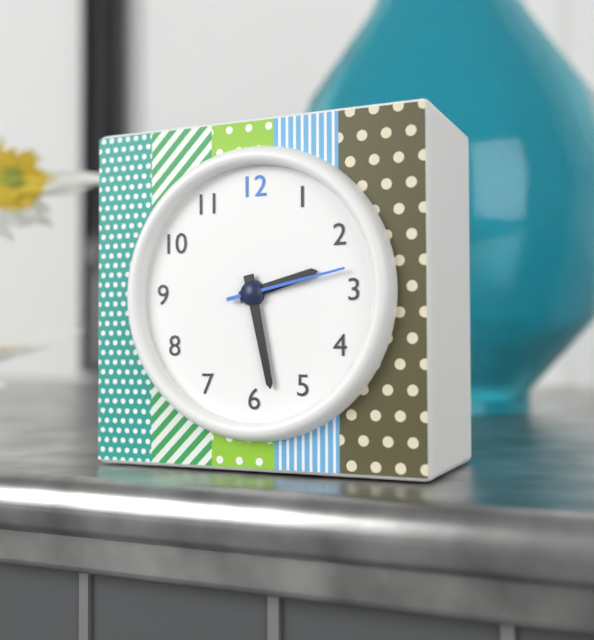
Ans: 2:28:13
